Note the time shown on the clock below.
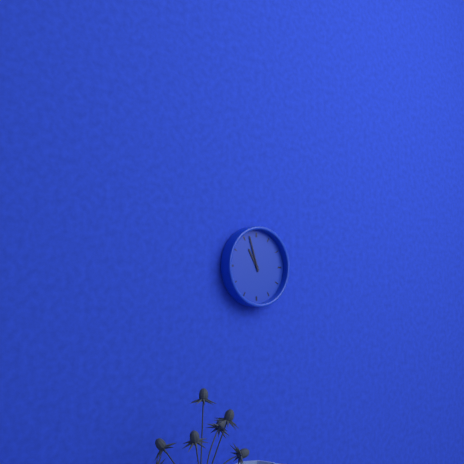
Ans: 10:57
